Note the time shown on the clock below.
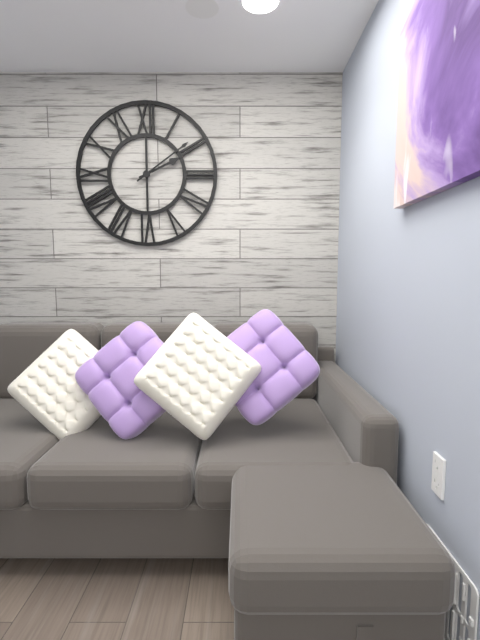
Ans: 2:09
